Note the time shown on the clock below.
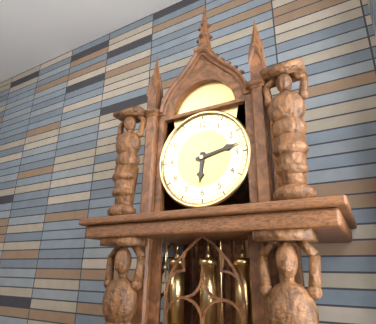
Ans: 6:13
